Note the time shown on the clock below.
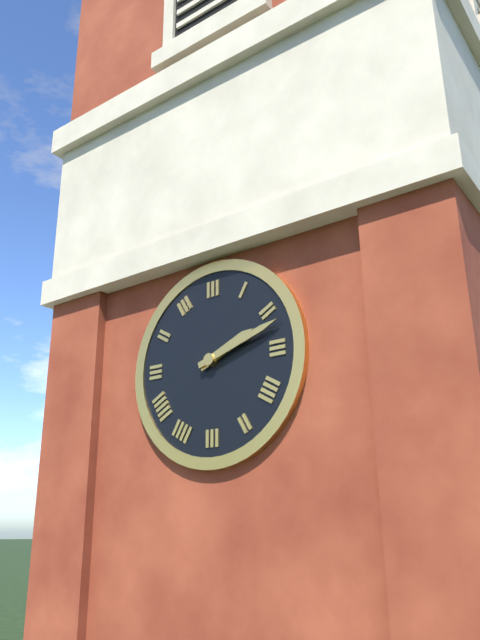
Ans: 2:12
